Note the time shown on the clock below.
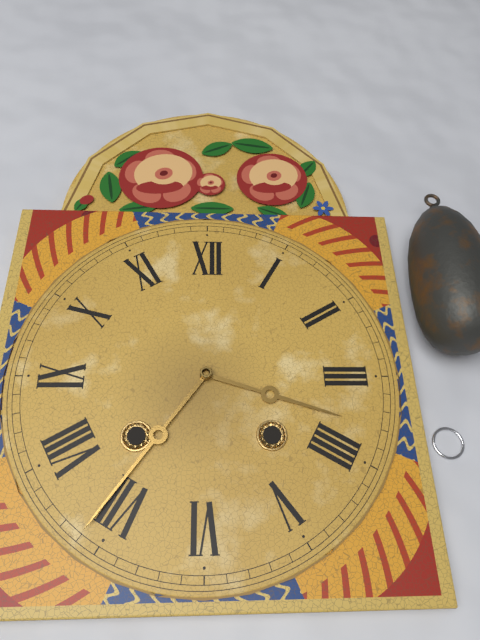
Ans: 3:36
